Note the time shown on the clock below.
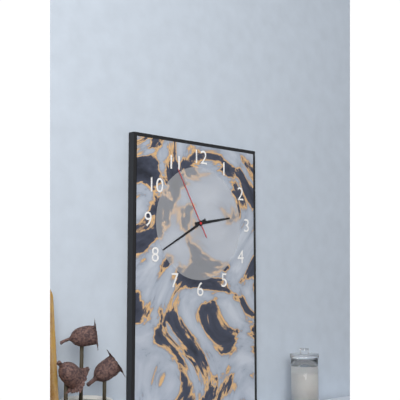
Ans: 2:40:55
